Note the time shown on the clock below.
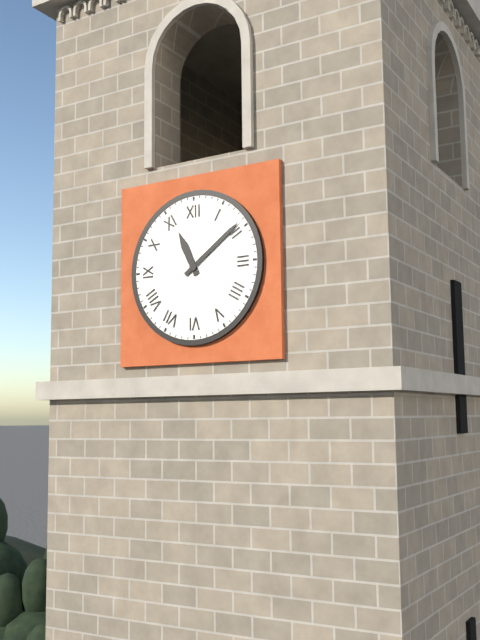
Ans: 11:09
